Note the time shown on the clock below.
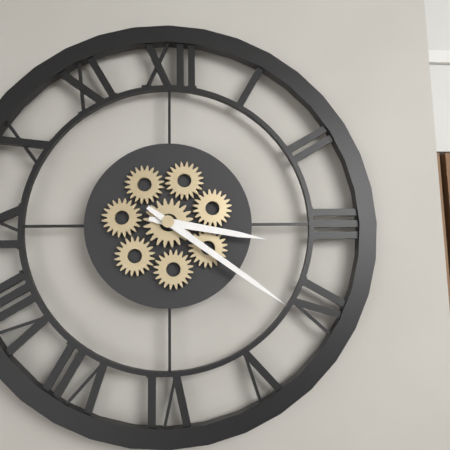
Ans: 3:21
